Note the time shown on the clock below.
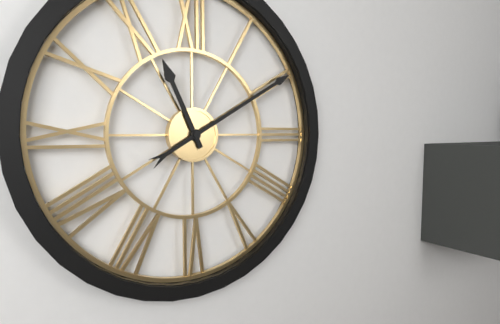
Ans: 11:10
